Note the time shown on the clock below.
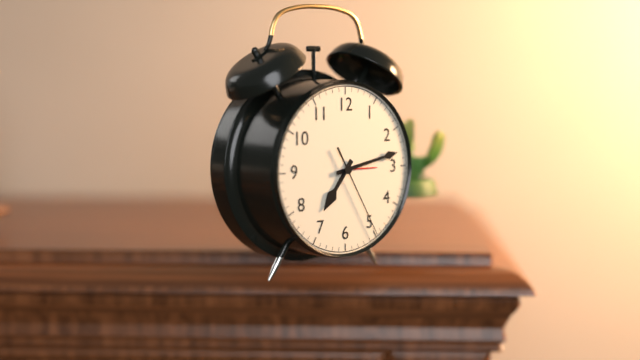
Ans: 7:13:25
